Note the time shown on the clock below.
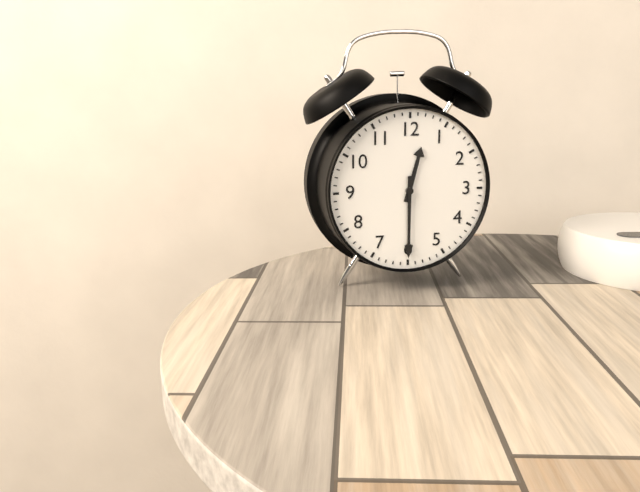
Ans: 12:30
